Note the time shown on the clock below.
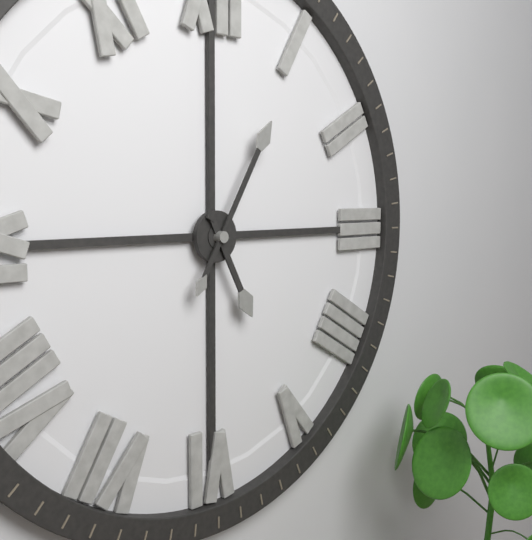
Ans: 5:05
